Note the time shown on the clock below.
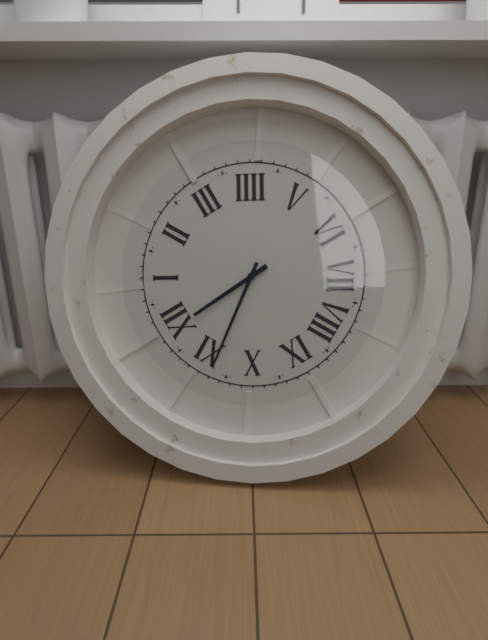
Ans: 11:54
